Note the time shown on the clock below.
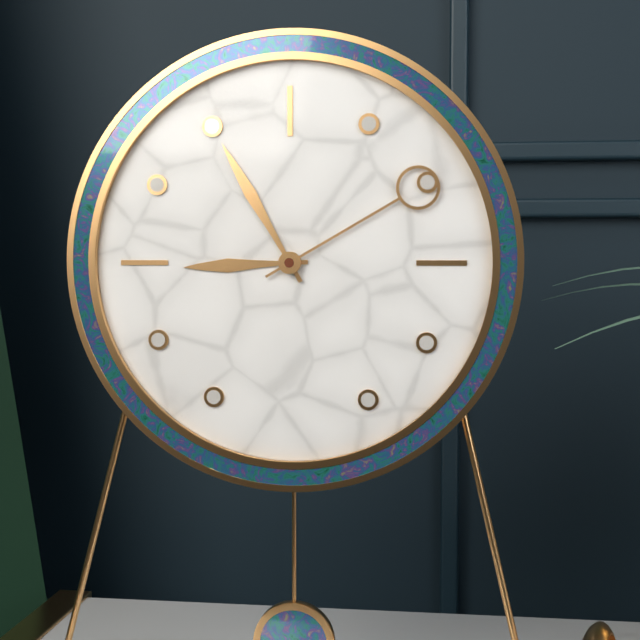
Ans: 8:55:10
